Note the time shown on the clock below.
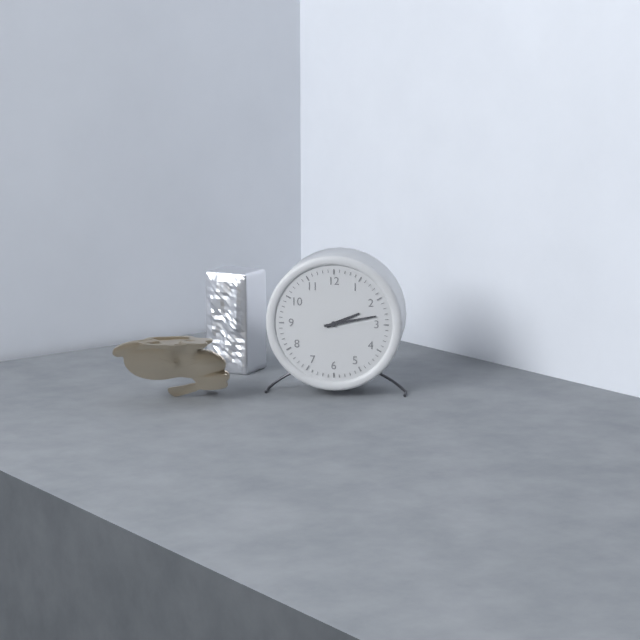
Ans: 2:13
